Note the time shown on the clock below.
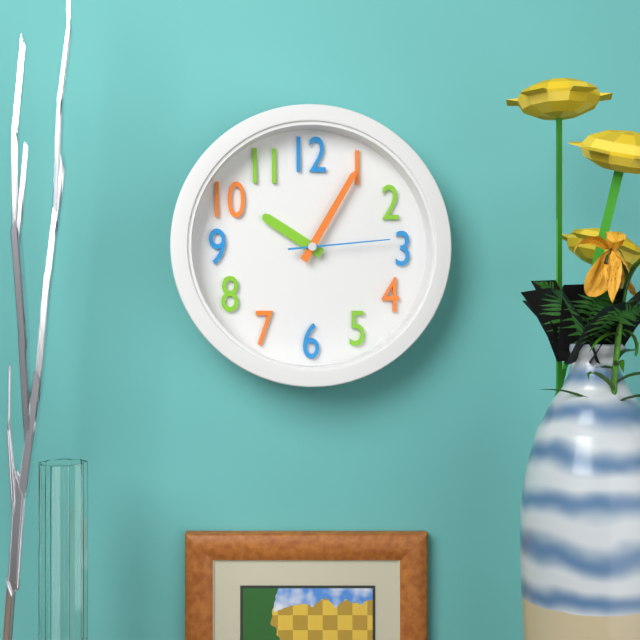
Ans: 10:05:14
